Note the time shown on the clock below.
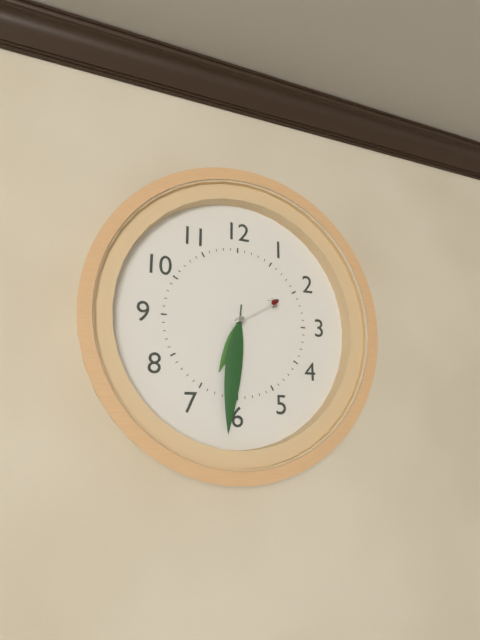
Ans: 6:31:10
